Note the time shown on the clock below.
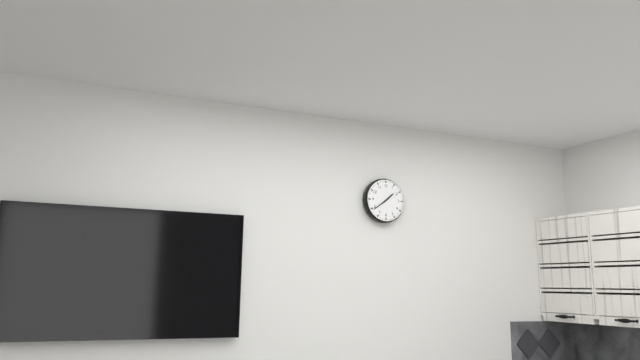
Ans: 1:39
